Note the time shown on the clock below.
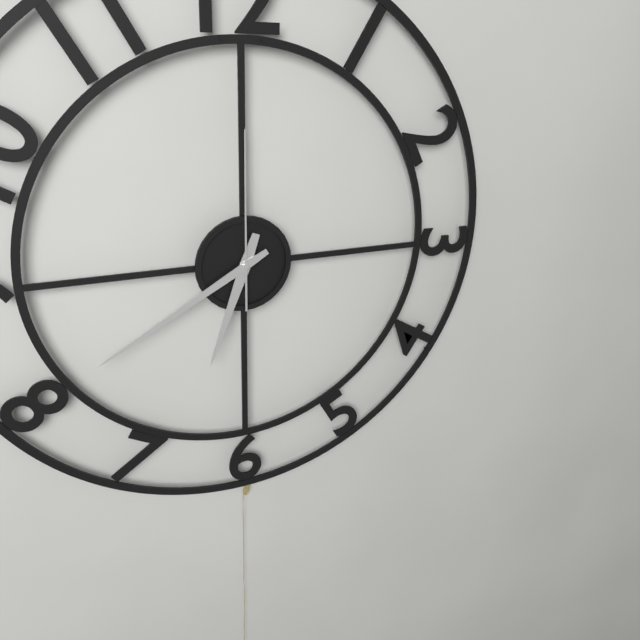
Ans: 6:40:00
